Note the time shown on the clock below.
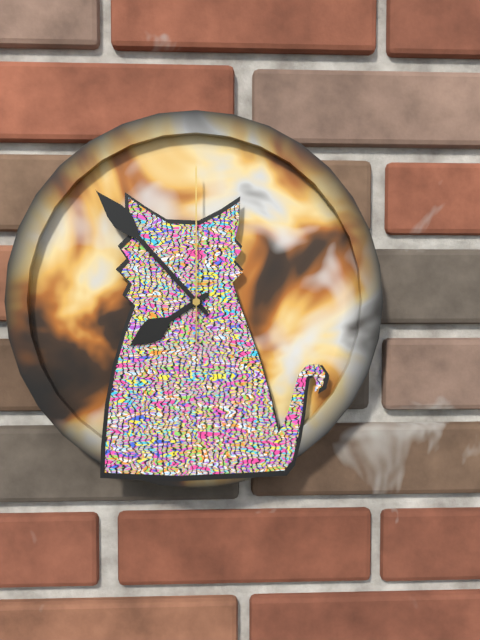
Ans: 7:53:00
